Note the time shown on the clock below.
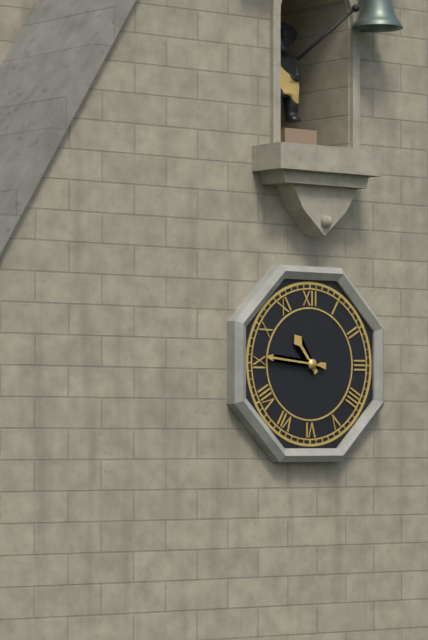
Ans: 10:46
